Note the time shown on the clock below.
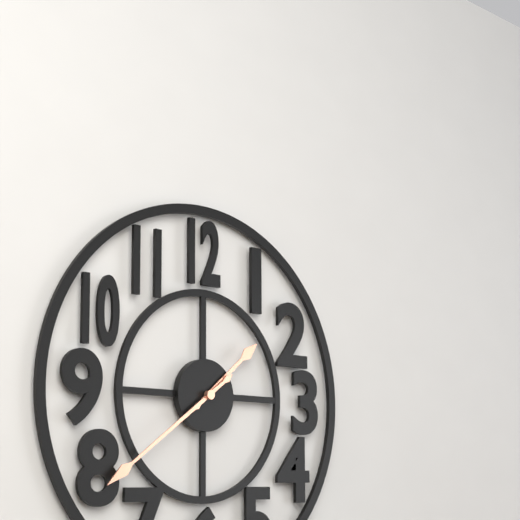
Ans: 1:39
